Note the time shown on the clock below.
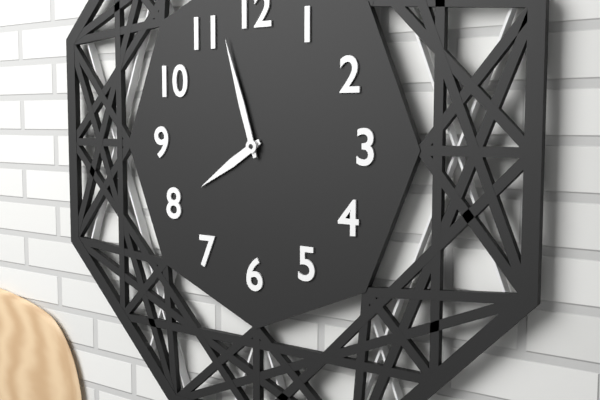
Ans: 7:57
